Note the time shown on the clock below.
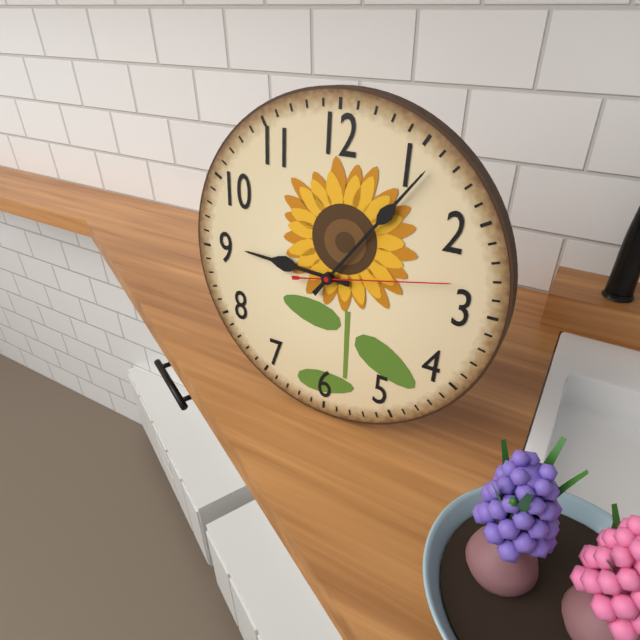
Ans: 9:06:13
